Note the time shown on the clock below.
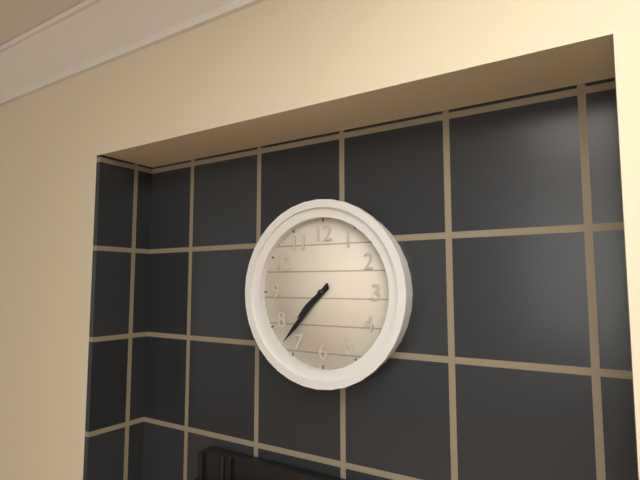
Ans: 7:37
